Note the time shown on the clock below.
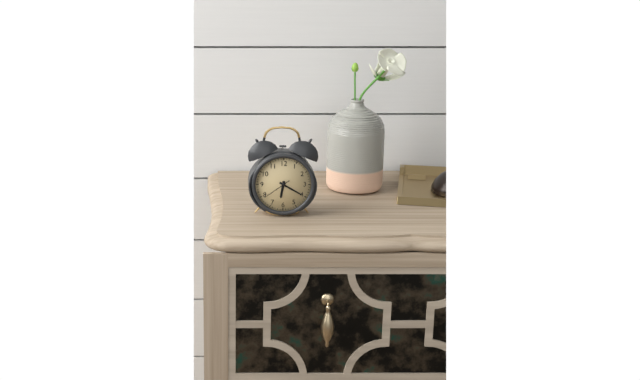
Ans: 6:20
